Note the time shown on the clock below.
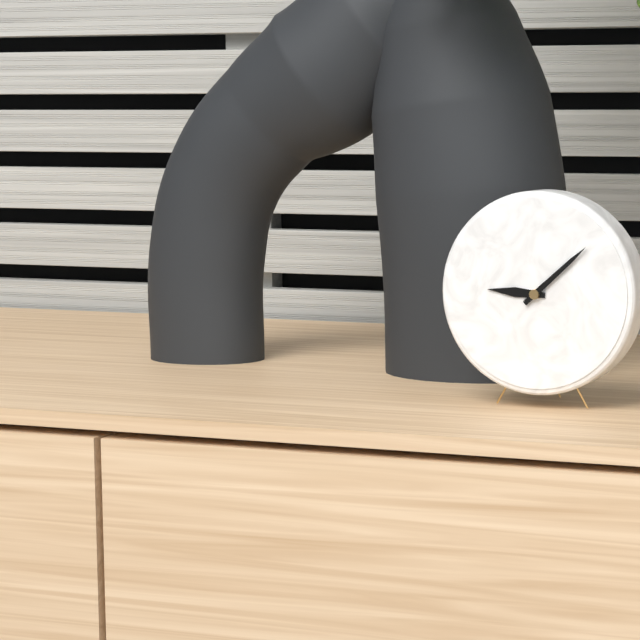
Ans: 9:08
